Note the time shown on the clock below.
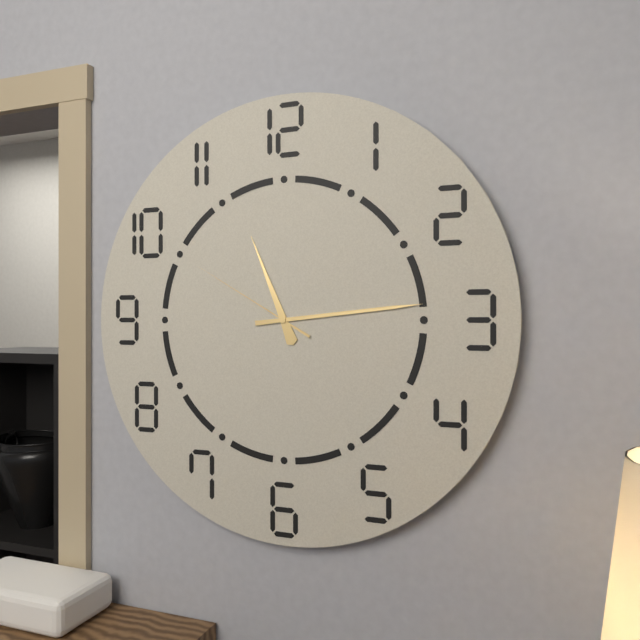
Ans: 11:14:50
